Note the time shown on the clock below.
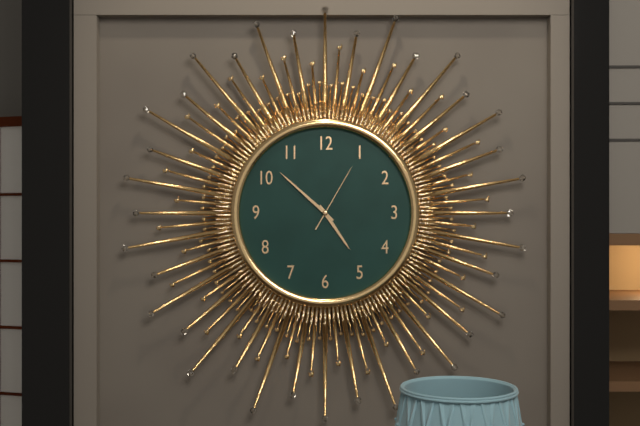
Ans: 4:52:05
